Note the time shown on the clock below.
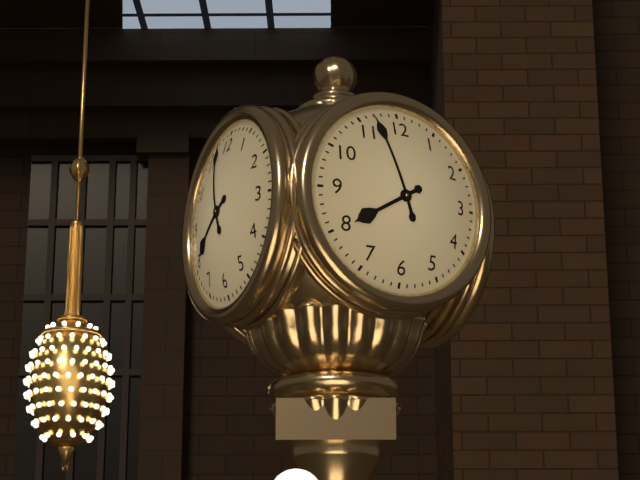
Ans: 7:57
